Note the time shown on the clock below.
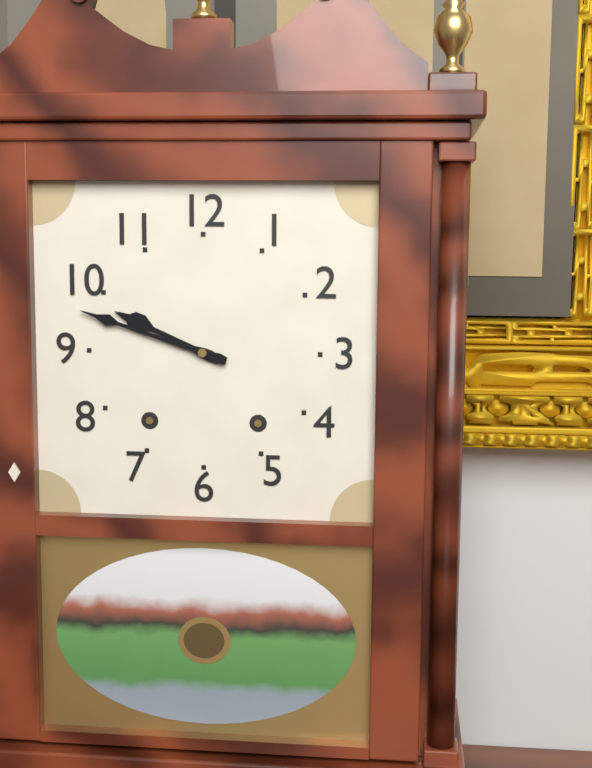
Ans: 9:48
